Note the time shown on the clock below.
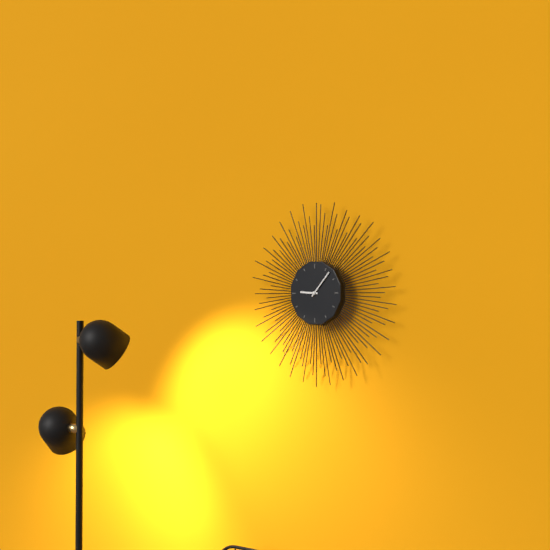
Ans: 9:07
